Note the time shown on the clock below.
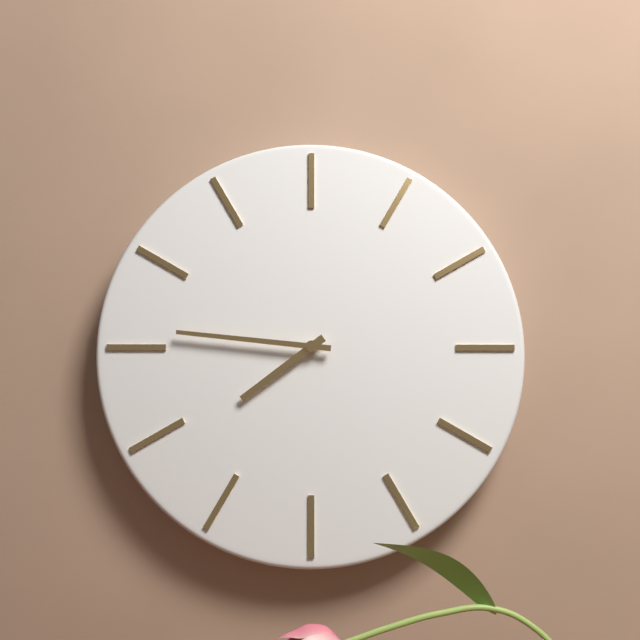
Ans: 7:46
